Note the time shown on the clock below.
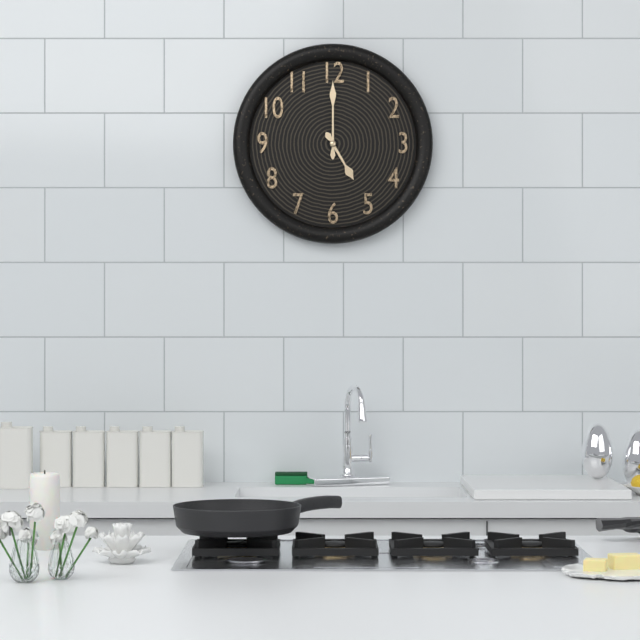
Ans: 5:00
